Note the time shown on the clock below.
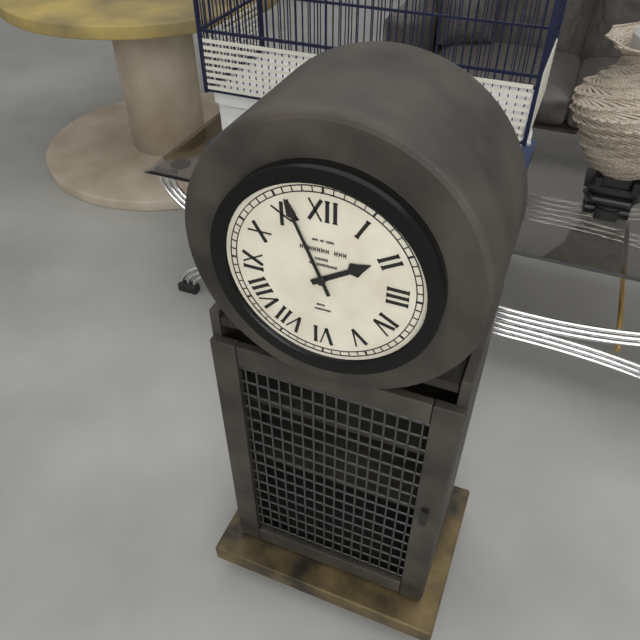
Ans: 1:56
